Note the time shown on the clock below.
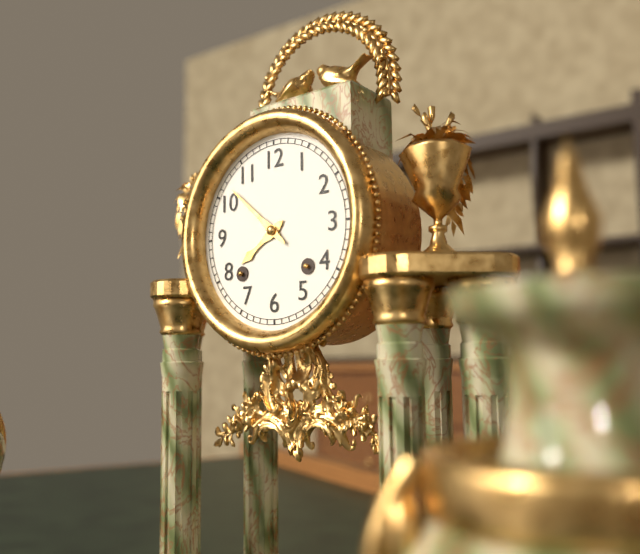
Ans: 7:52
